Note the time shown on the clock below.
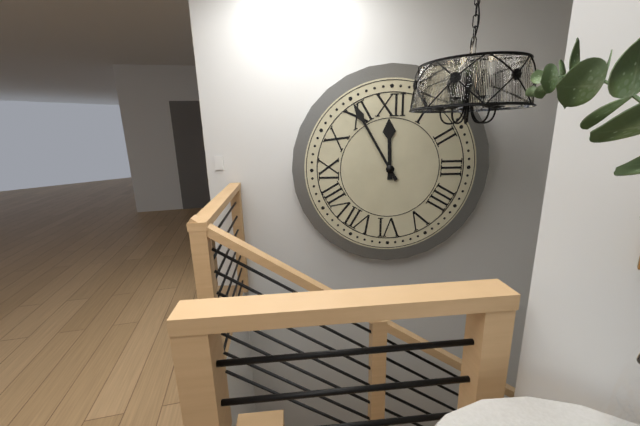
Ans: 11:55
